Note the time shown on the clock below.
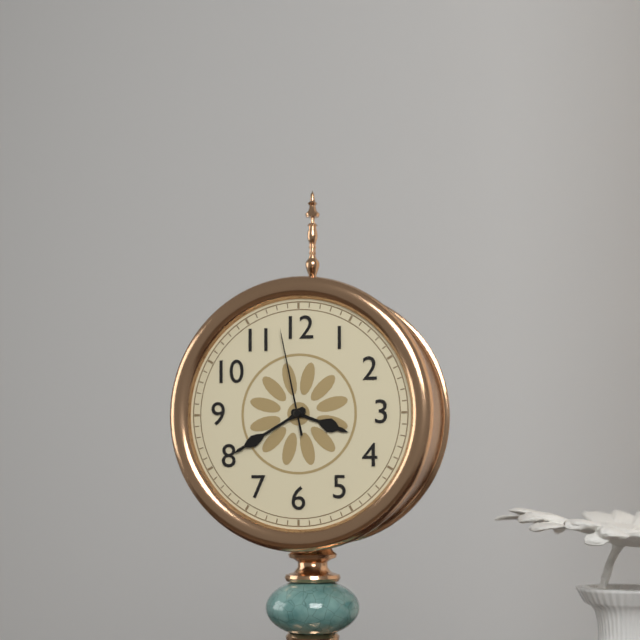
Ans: 3:40:58
